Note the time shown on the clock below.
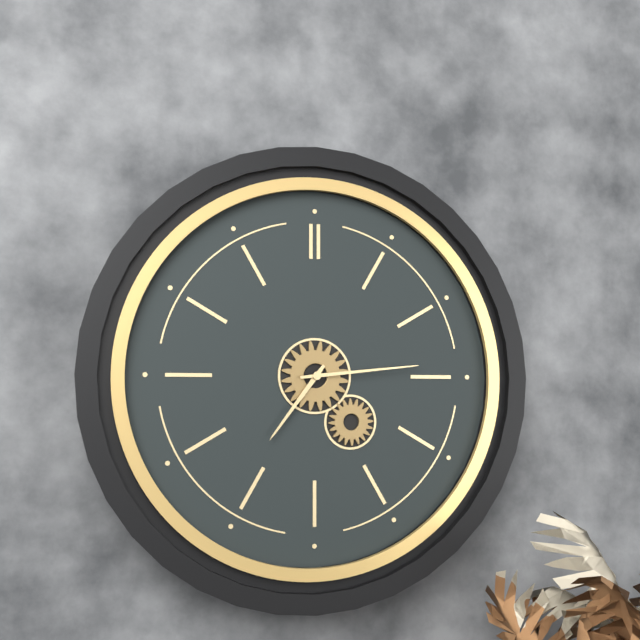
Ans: 7:14
